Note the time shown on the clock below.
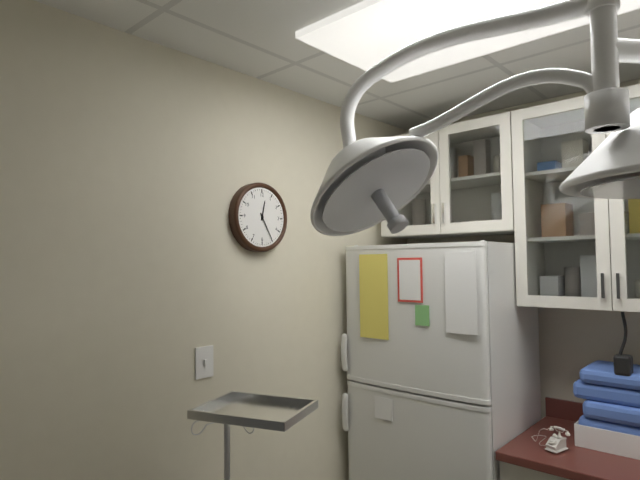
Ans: 12:25
